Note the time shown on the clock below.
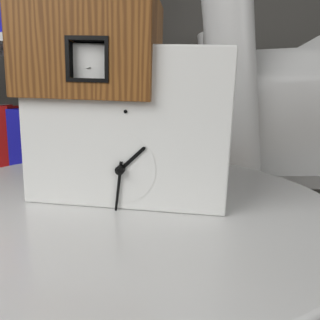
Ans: 1:31
